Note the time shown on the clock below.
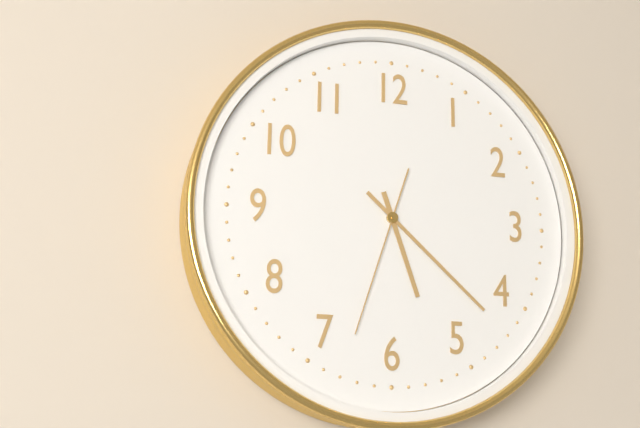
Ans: 5:22:33
